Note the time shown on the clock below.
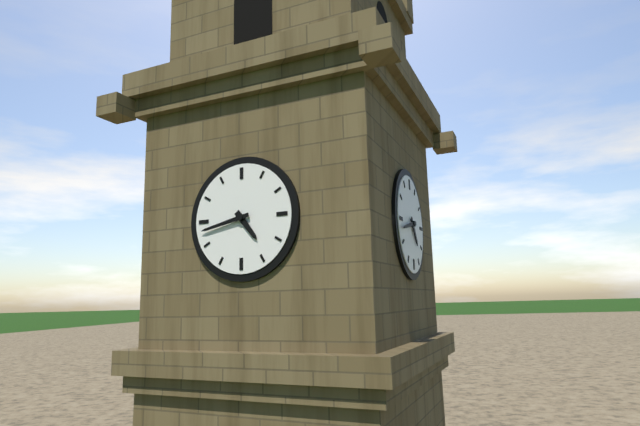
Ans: 4:43
